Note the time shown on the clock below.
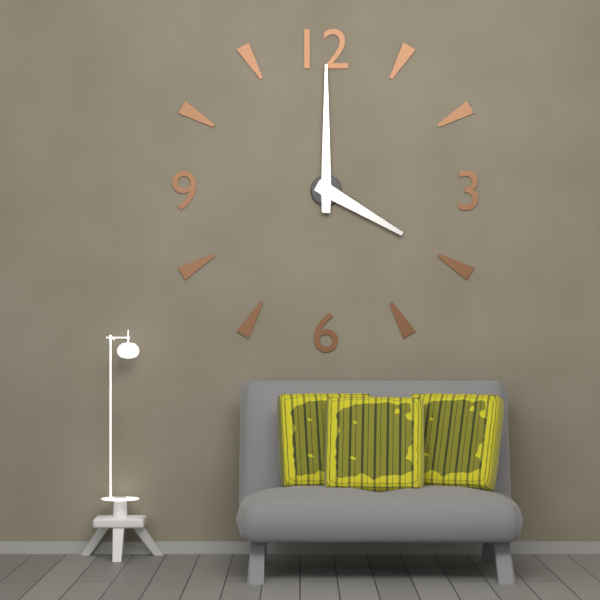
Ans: 4:00
